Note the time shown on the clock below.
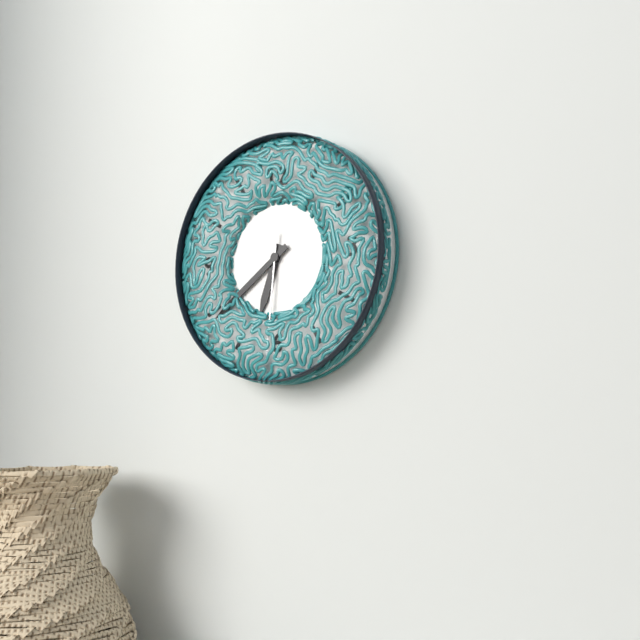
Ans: 6:39
